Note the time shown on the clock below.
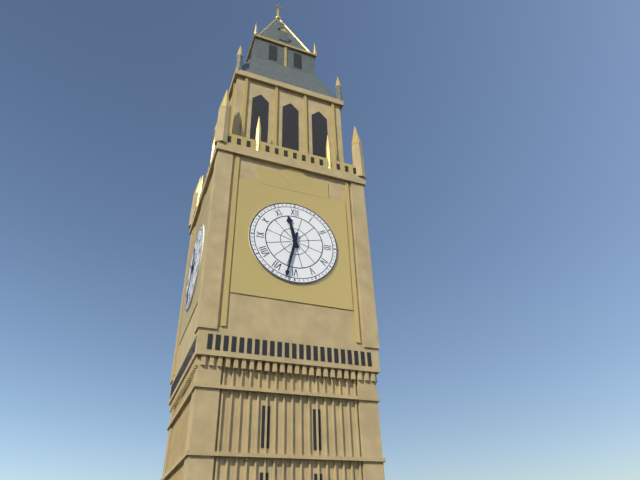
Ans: 11:32
